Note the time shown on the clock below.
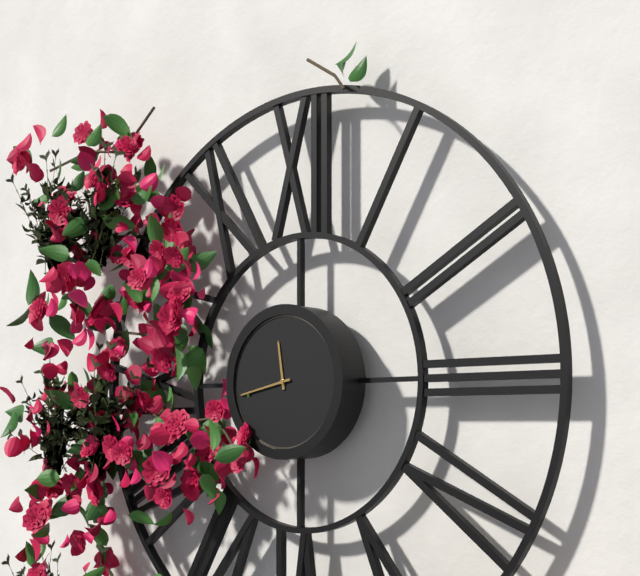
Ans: 11:43
